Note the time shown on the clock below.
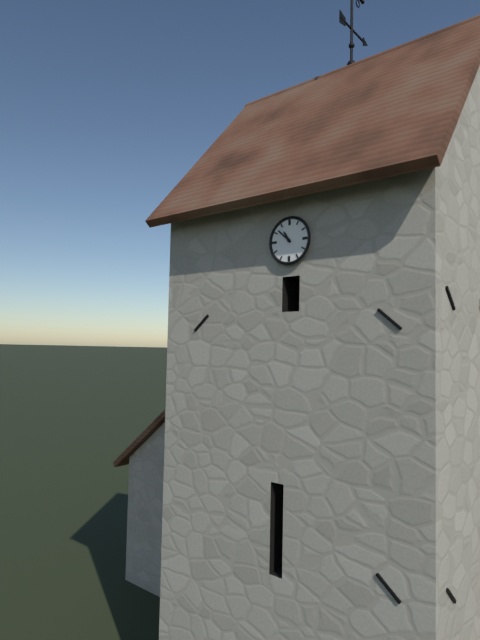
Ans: 10:52
